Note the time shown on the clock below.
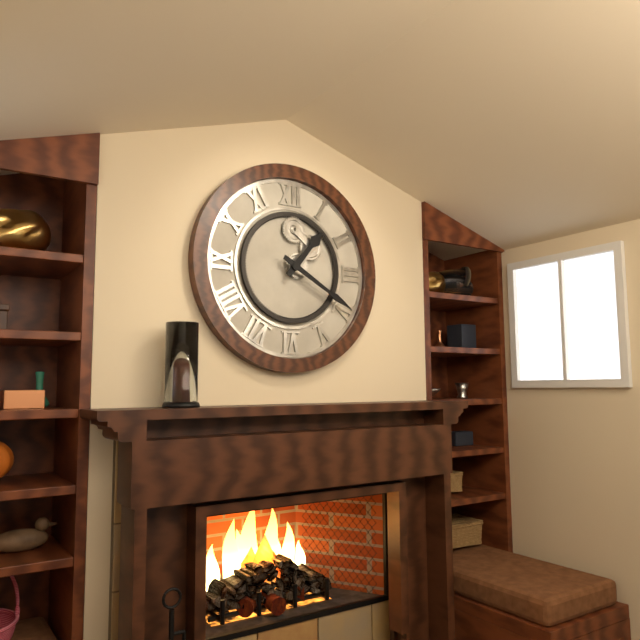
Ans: 1:20
